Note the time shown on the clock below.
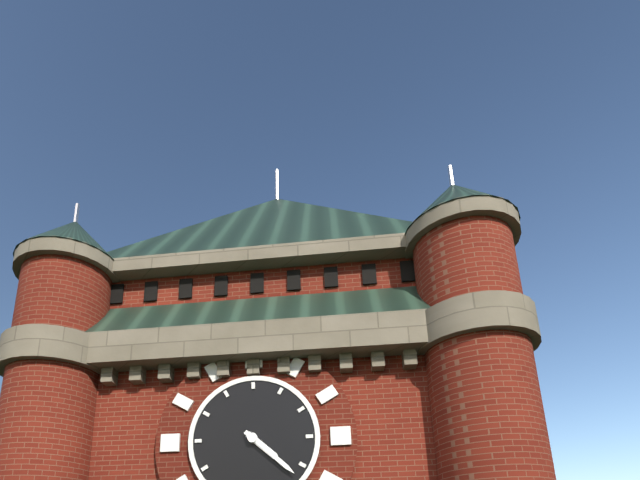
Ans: 4:22
